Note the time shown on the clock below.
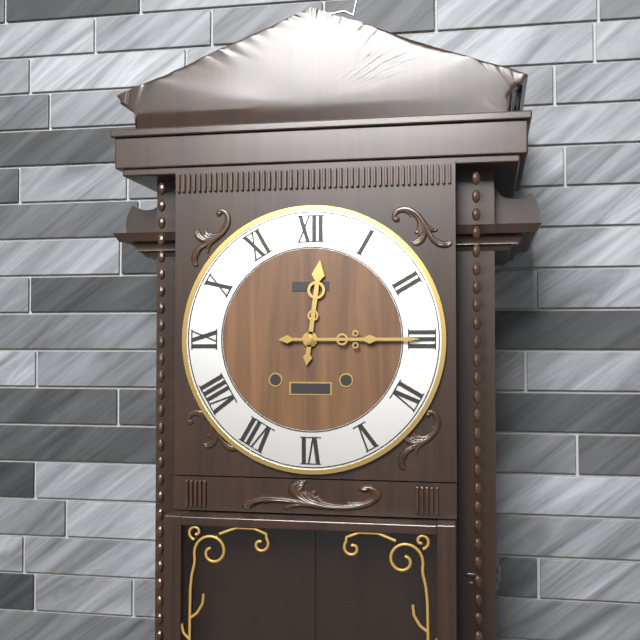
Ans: 12:15
